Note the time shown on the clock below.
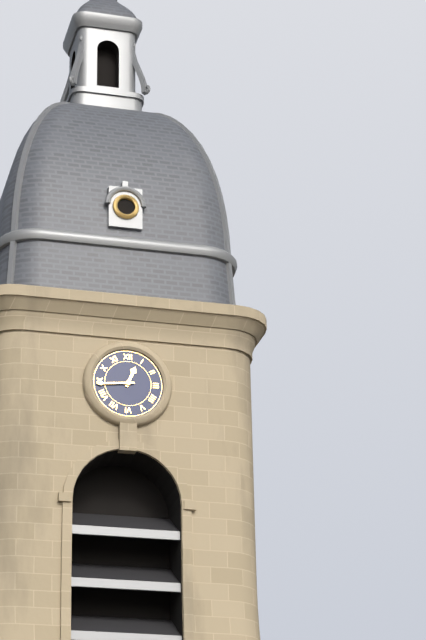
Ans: 12:44
